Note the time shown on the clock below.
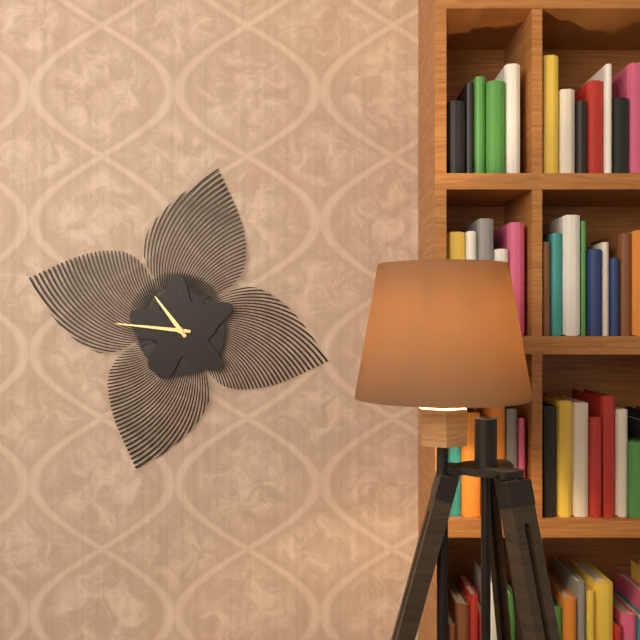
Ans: 10:46
